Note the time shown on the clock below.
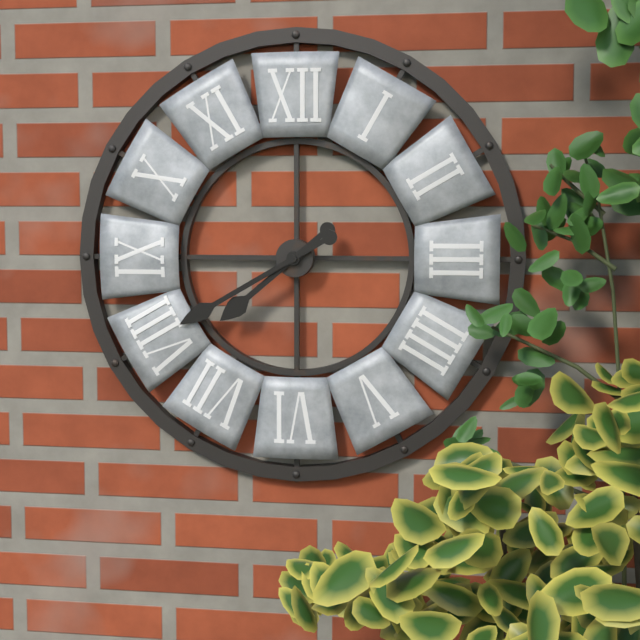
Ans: 7:40
